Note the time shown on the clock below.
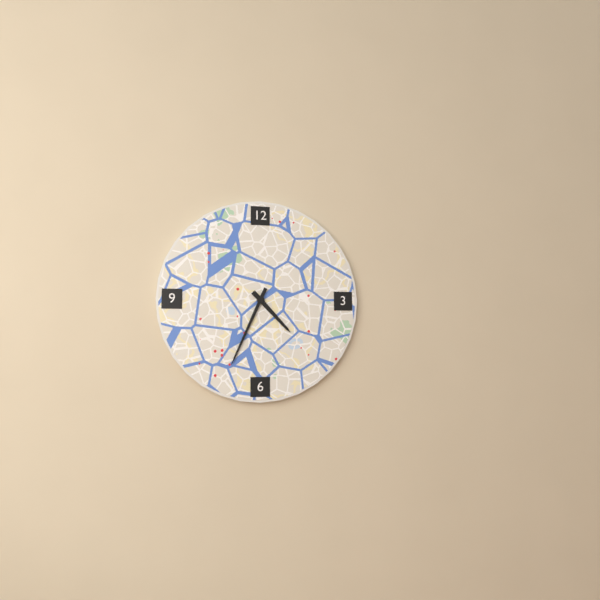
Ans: 4:34
